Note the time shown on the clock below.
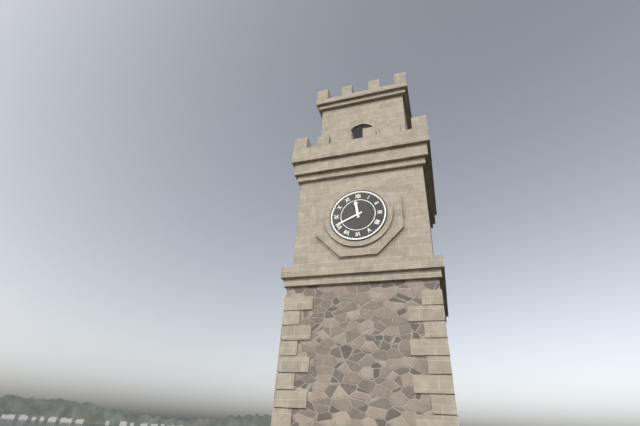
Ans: 11:41
